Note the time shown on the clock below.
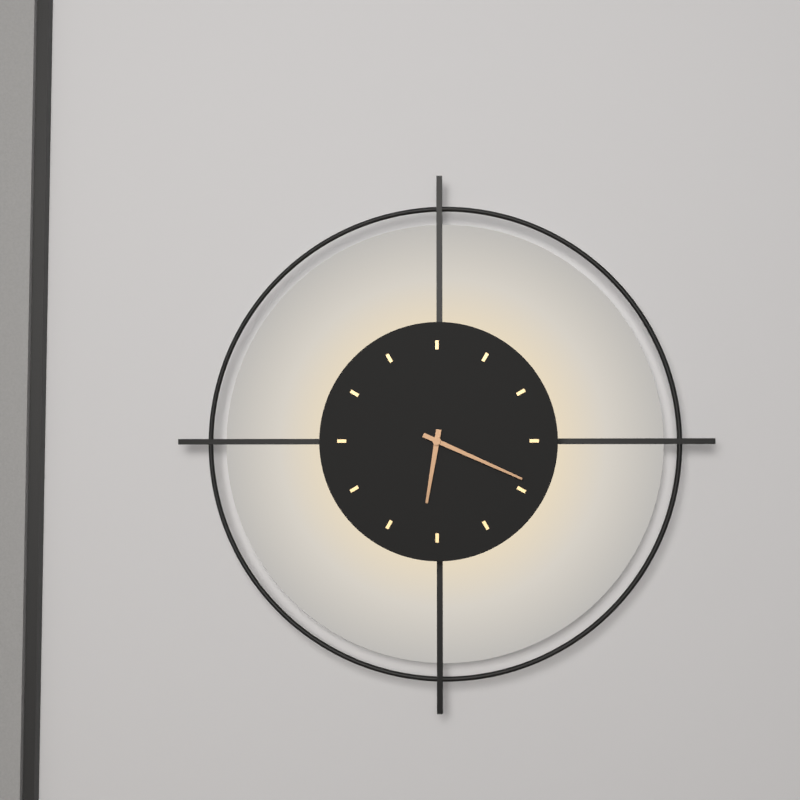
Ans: 6:19
